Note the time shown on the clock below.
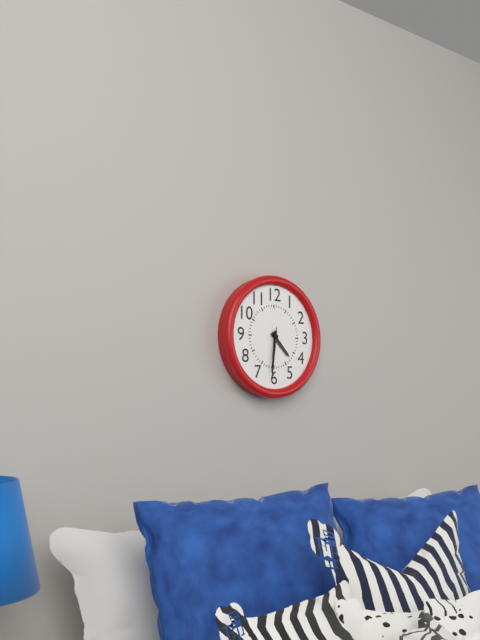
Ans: 4:31:31
